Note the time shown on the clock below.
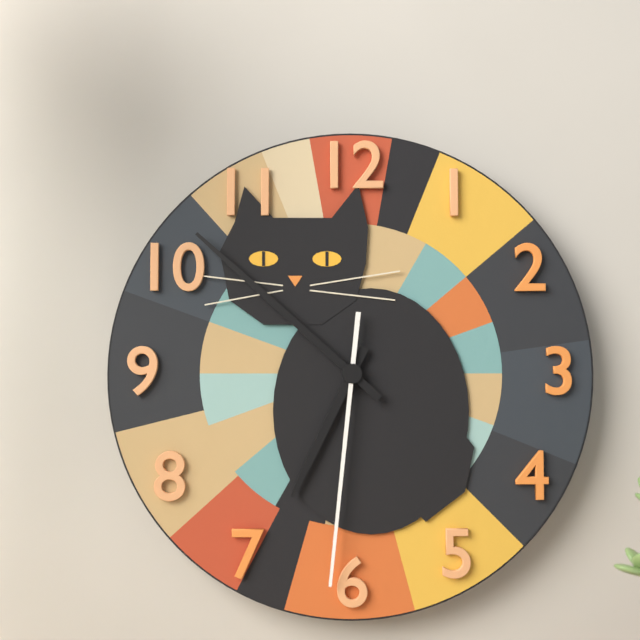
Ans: 6:52:31
